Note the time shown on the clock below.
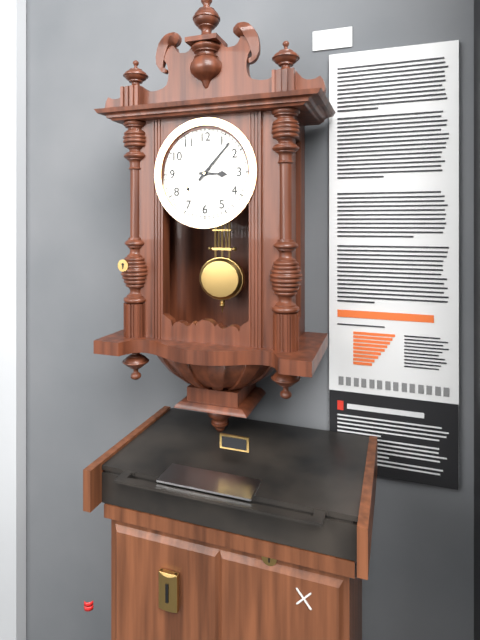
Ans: 3:07
